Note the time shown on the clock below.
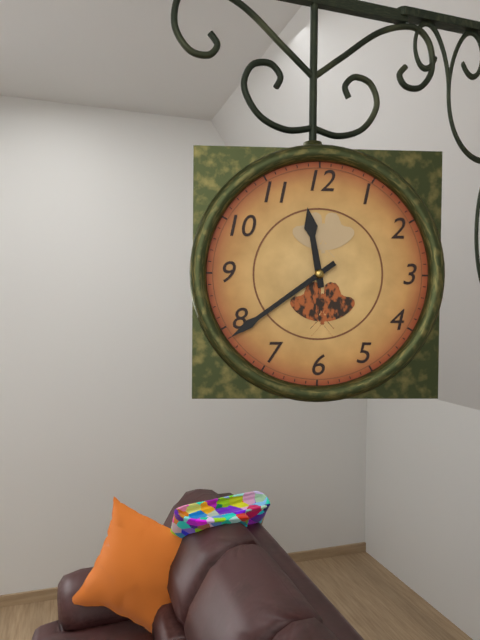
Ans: 11:39
